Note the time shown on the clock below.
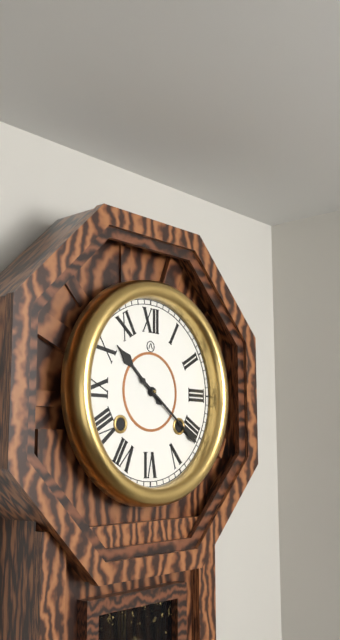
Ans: 10:21
